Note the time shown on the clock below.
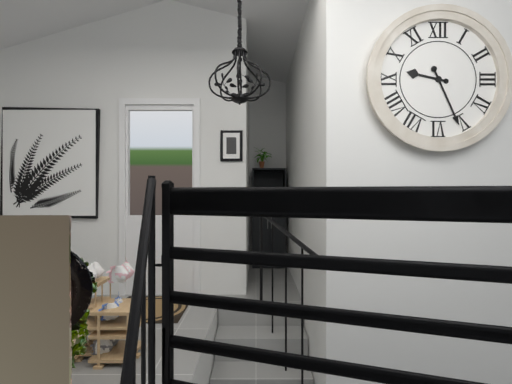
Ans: 9:26
